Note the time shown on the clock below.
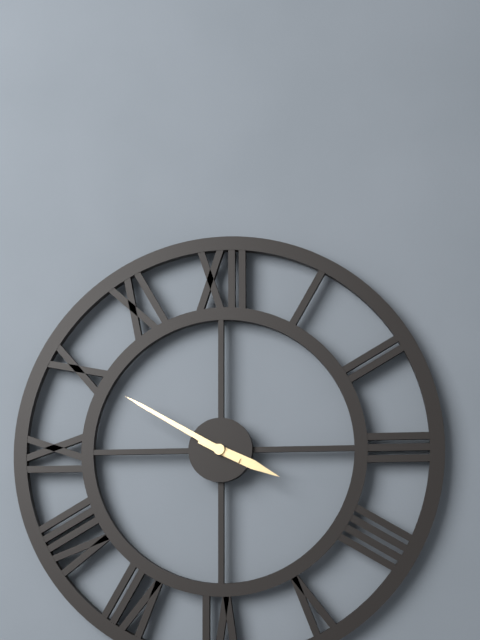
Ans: 3:50
